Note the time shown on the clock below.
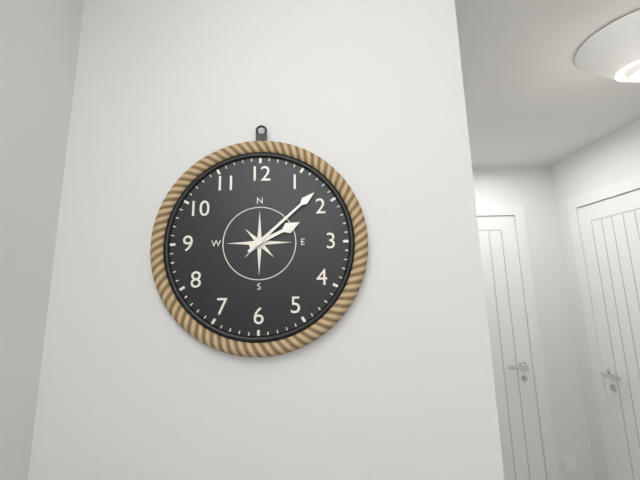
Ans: 2:08
